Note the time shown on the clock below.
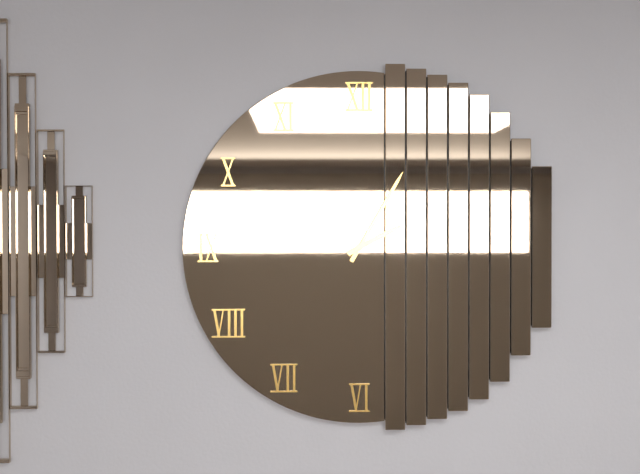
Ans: 2:05
